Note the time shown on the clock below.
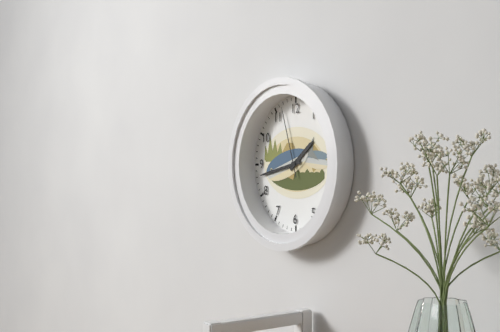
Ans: 1:43:57
